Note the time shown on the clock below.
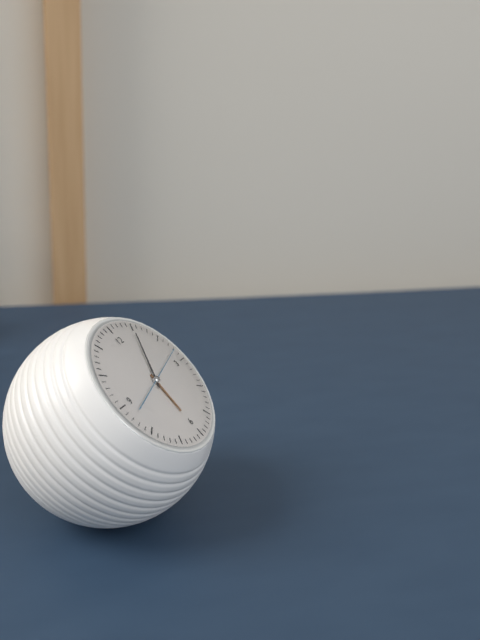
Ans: 6:05
